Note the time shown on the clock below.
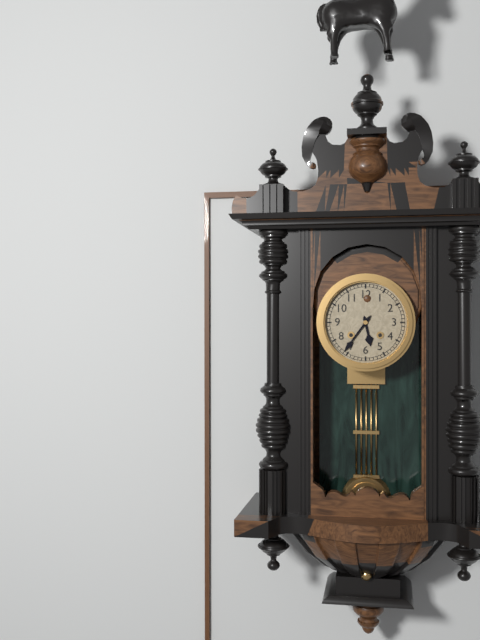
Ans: 5:36
